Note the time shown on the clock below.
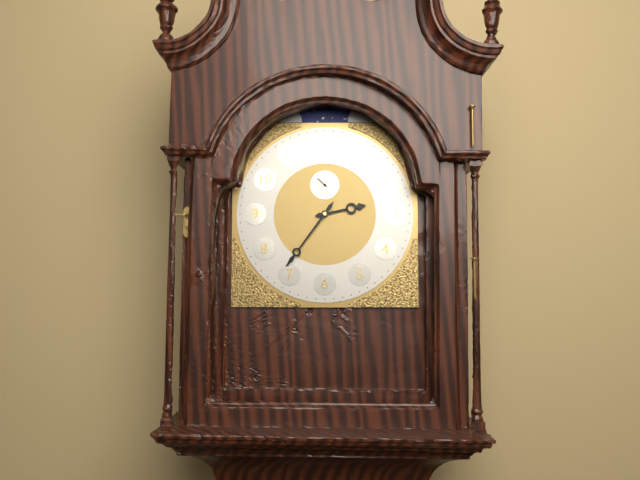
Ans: 2:36
